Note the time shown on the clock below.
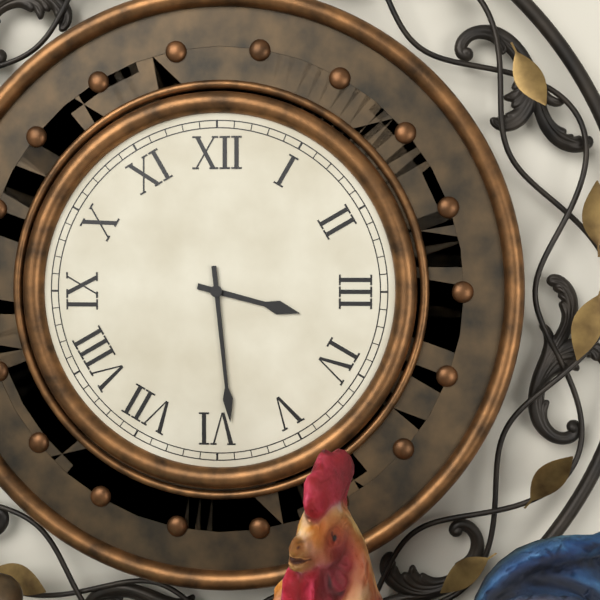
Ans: 3:29
